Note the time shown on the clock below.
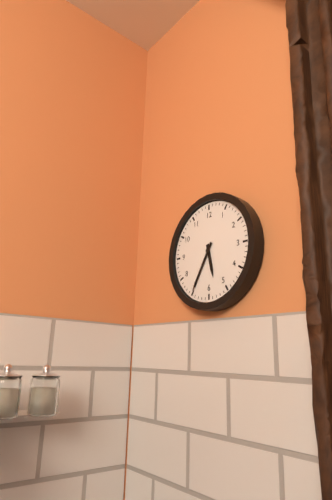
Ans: 5:35
